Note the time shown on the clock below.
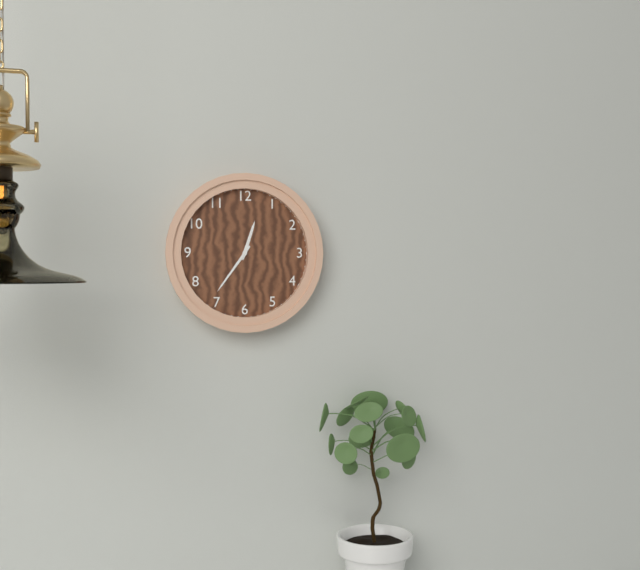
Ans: 12:36
